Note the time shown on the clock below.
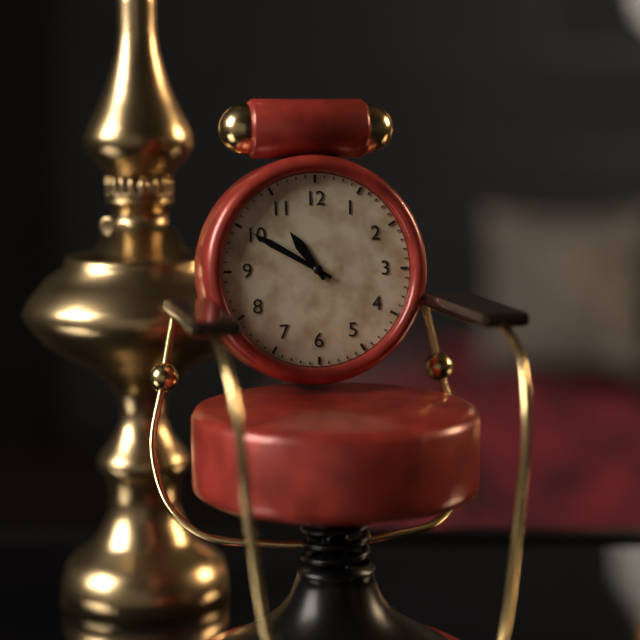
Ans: 10:50
